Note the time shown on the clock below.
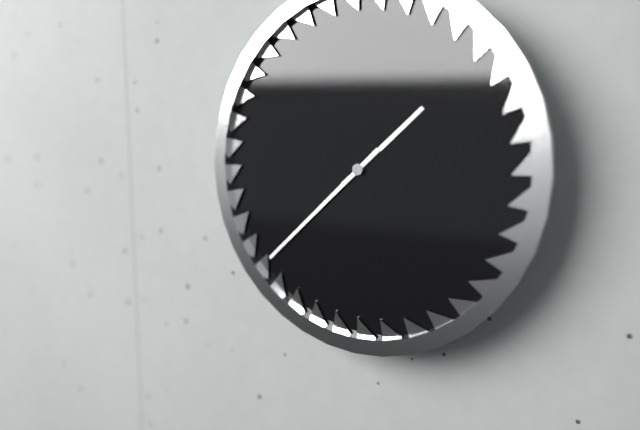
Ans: 1:38
